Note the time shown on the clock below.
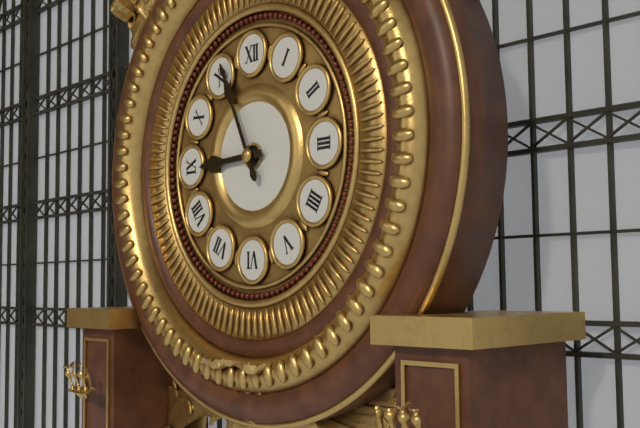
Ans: 8:56
